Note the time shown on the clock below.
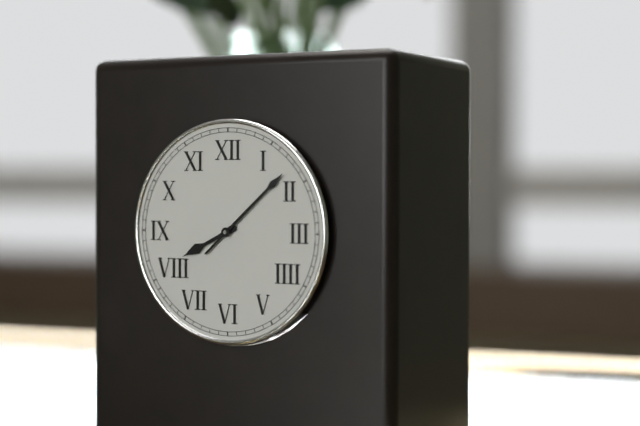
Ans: 8:08
